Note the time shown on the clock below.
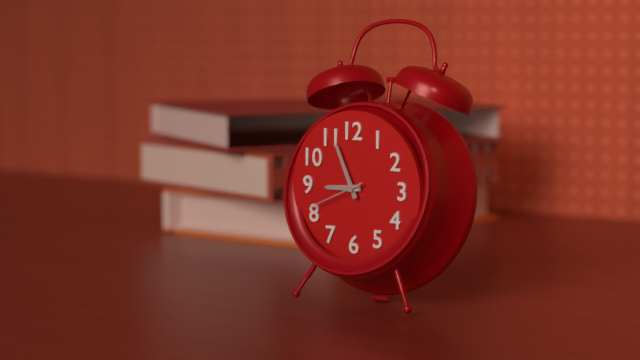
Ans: 8:56:41
